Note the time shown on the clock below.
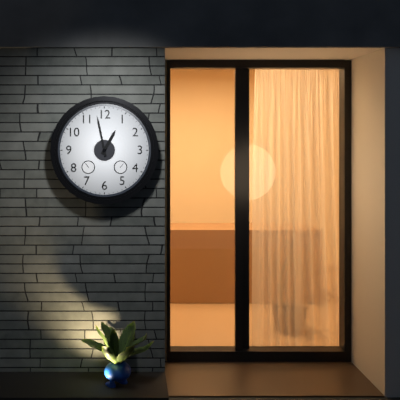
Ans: 12:58
